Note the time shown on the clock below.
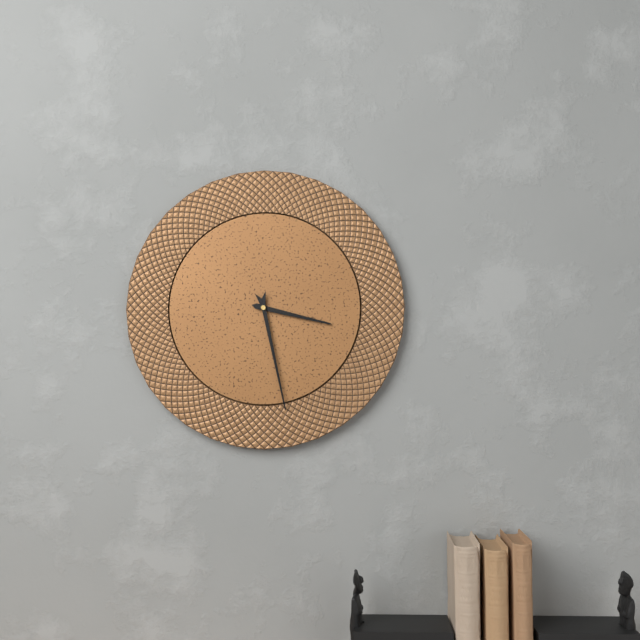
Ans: 3:28
